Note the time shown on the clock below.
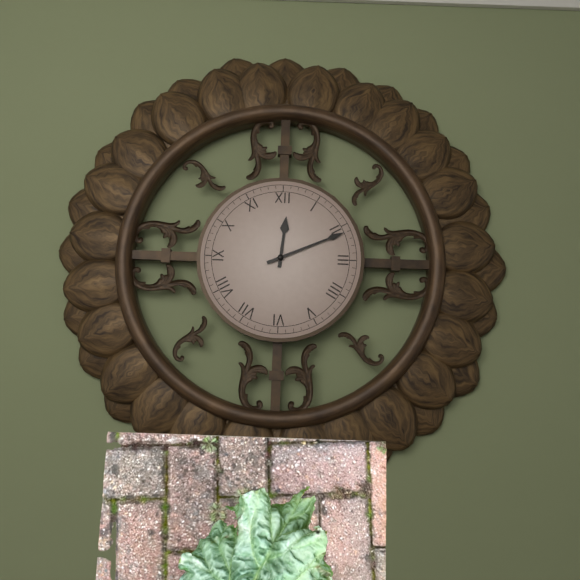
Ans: 12:11
